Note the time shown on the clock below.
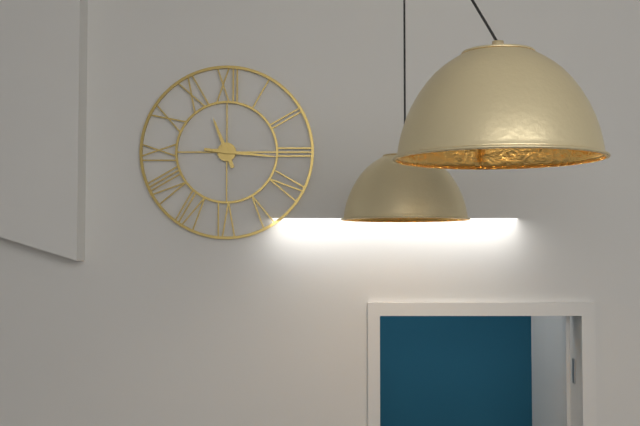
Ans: 11:16
